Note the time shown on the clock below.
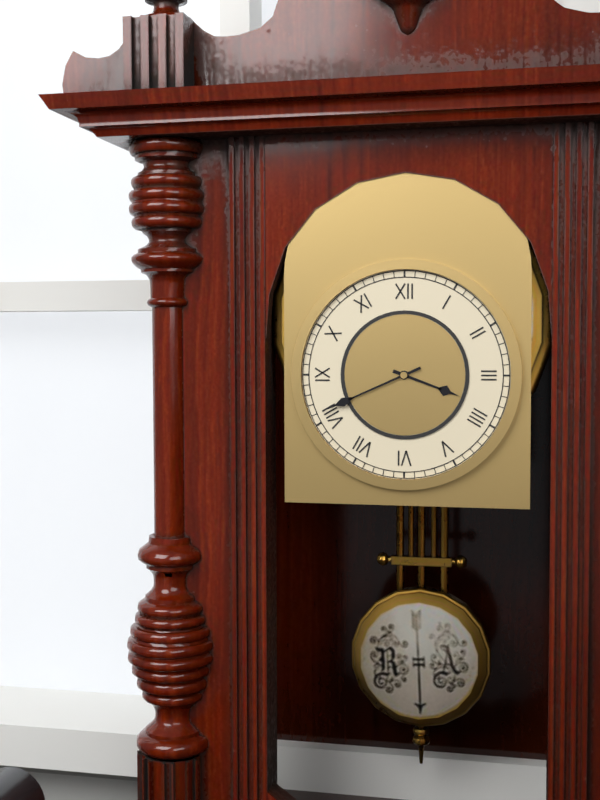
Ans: 3:41
